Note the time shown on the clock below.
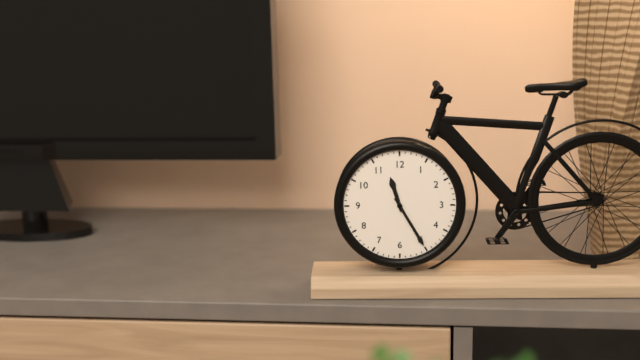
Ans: 11:25
